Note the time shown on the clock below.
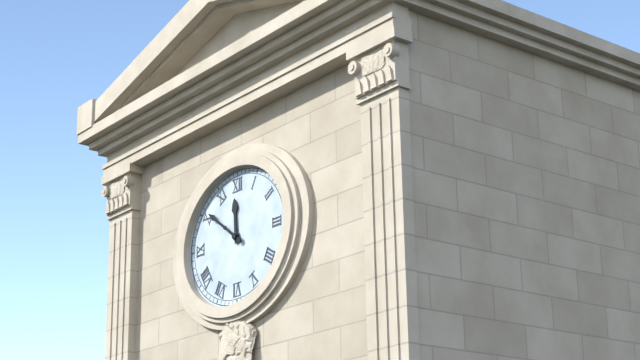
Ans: 11:51
